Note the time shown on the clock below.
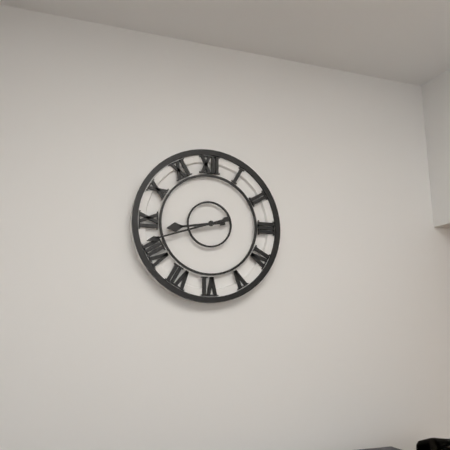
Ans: 8:42
